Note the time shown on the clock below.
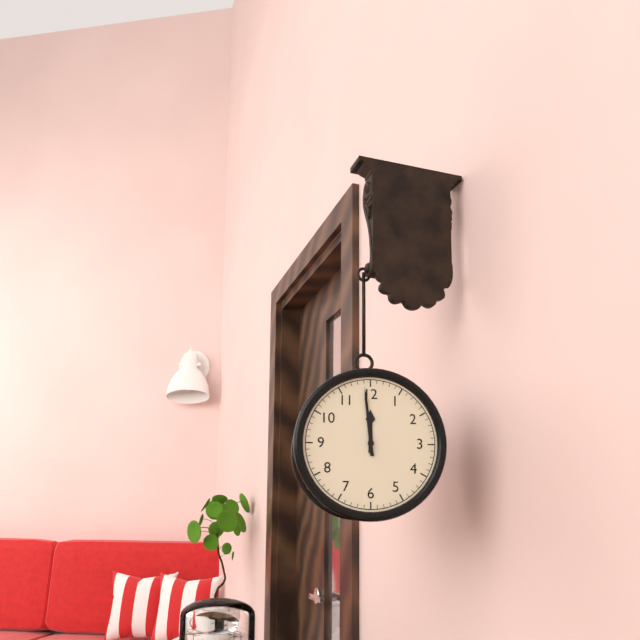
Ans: 11:59
